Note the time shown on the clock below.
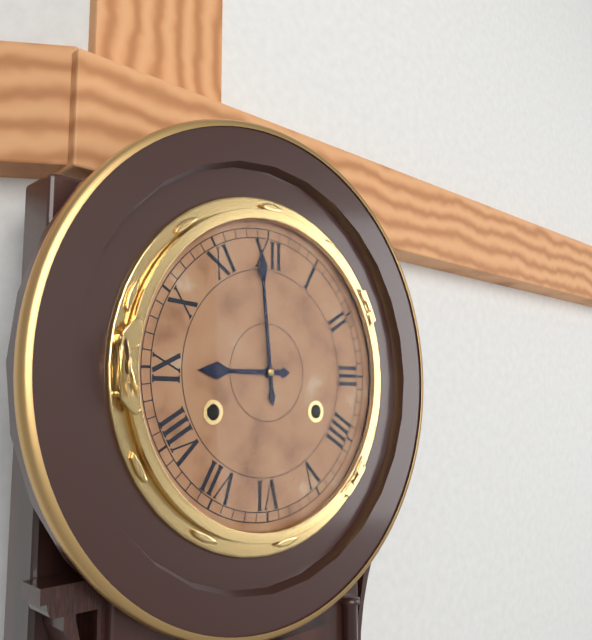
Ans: 8:59
